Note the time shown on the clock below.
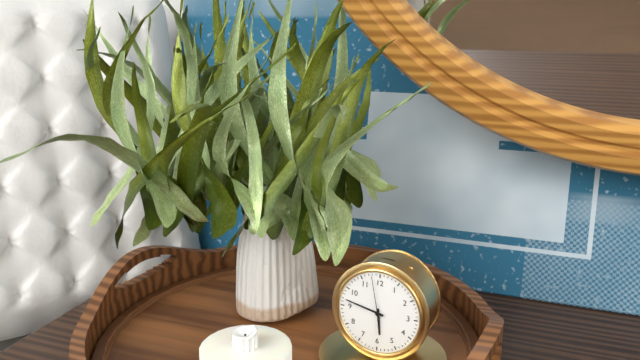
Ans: 5:47
